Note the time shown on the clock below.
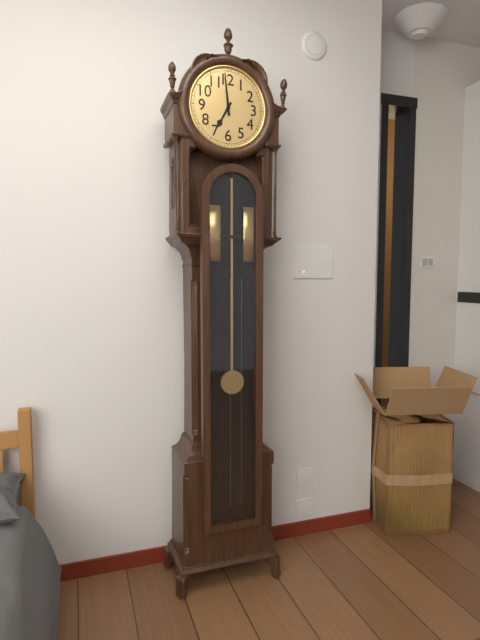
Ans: 6:59
